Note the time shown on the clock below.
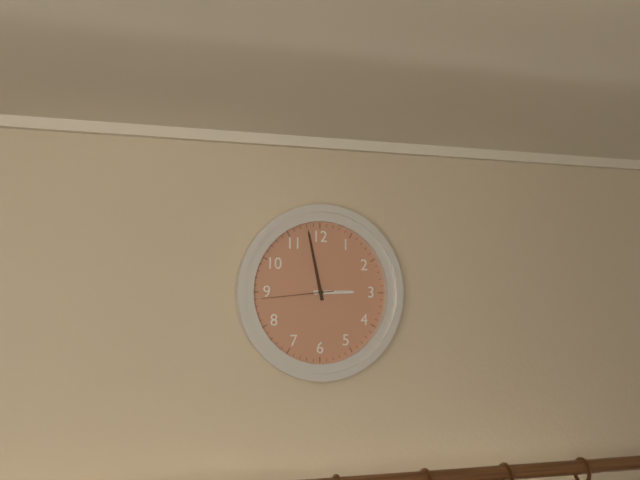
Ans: 2:58:44
